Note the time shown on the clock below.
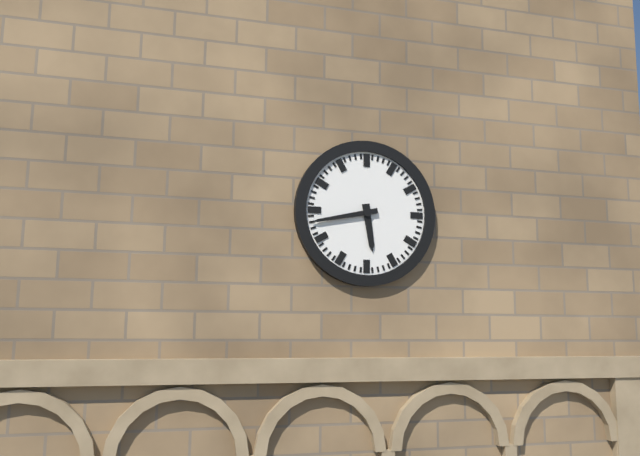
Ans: 5:43
